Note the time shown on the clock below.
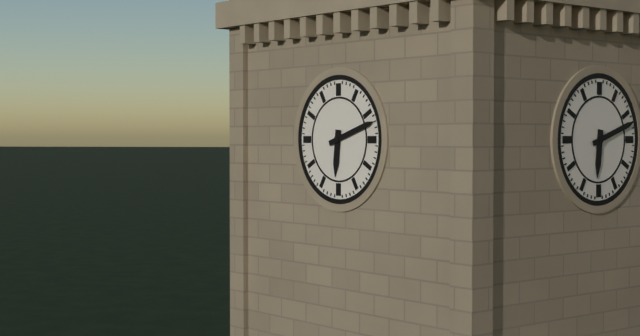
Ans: 6:12
